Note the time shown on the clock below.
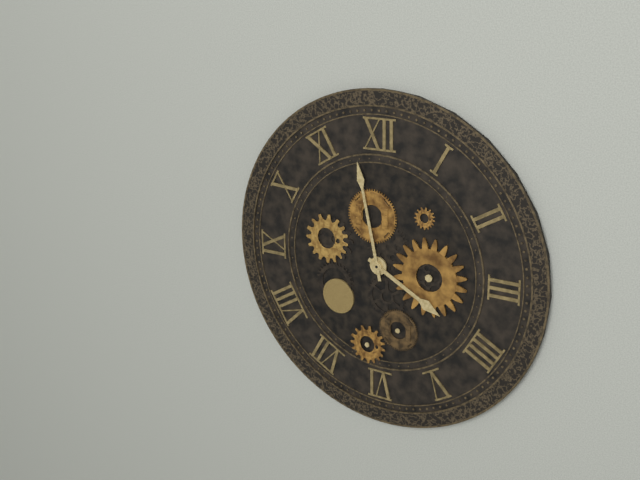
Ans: 3:58
